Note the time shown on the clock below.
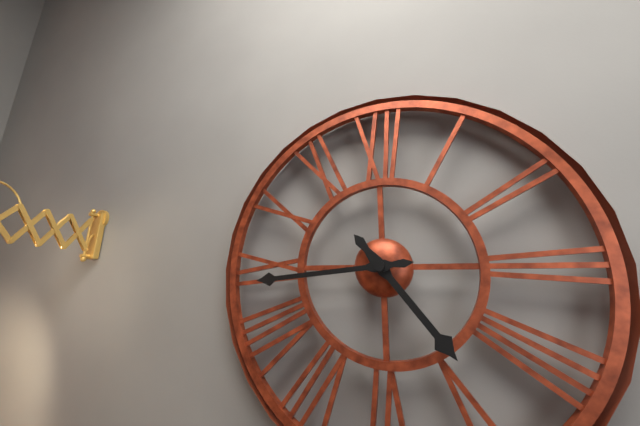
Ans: 4:44
